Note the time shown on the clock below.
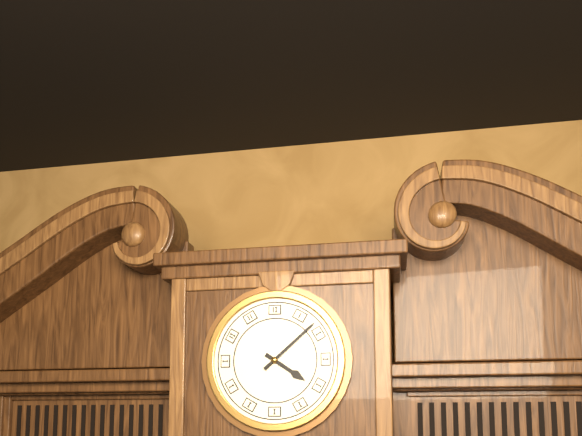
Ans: 4:08
